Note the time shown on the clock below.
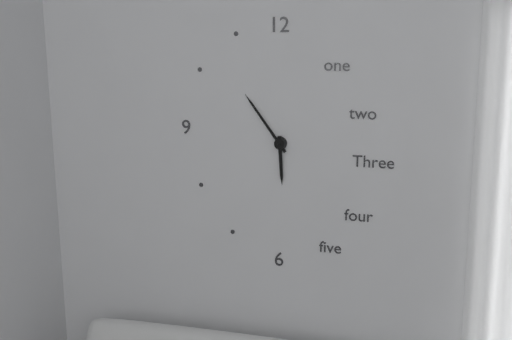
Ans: 5:54
